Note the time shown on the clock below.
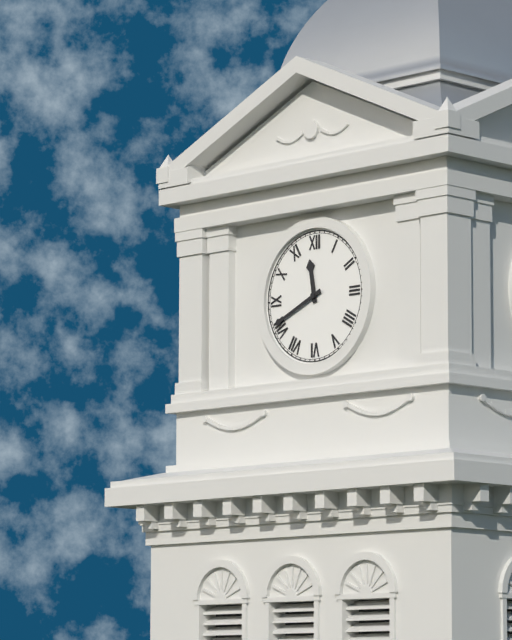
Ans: 11:41
